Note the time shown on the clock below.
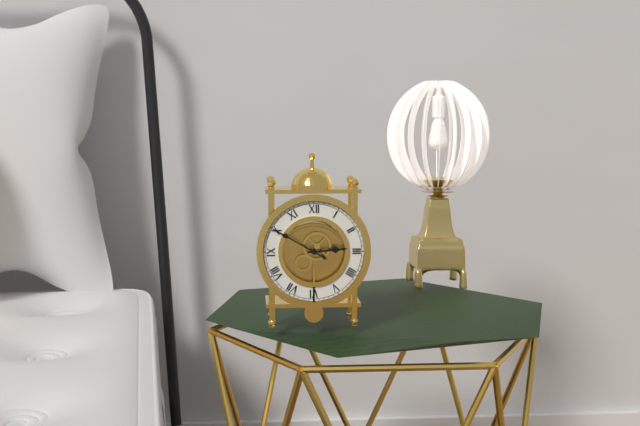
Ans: 2:50
